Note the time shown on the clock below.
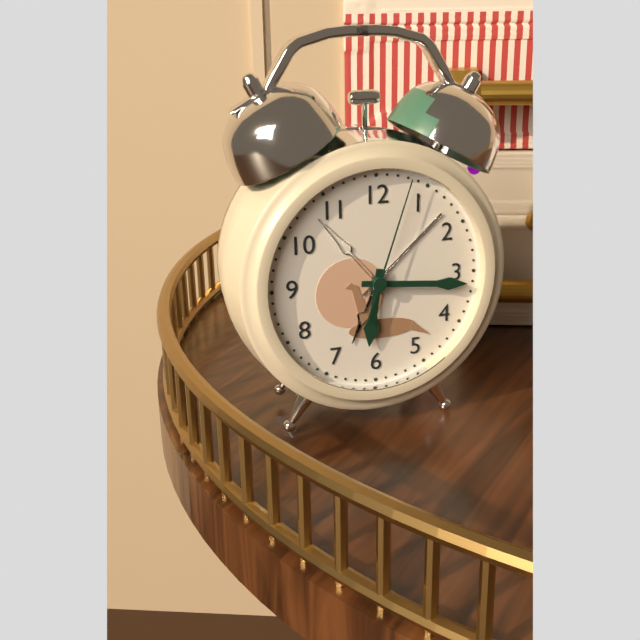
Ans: 6:16:03
